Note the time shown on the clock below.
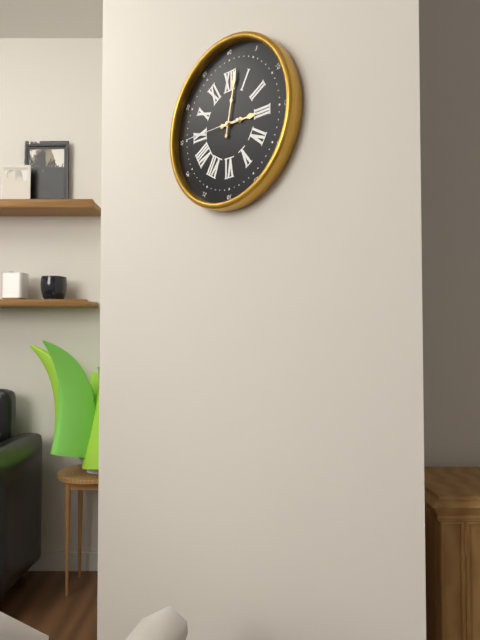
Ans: 3:02:45
